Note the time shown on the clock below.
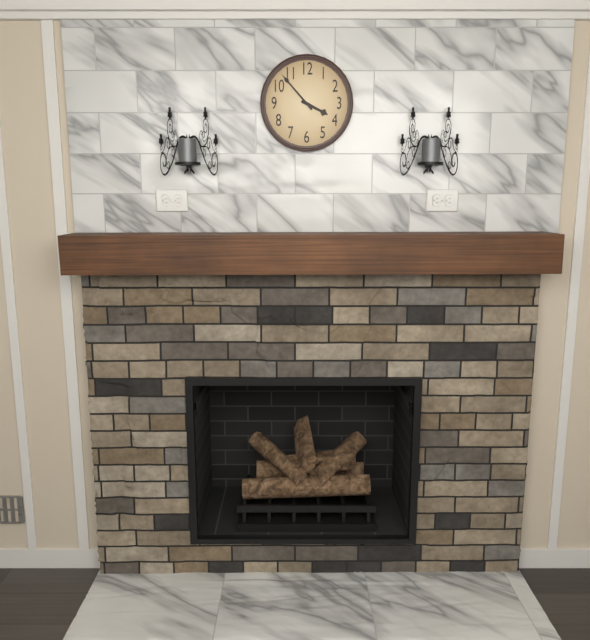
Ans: 3:53
